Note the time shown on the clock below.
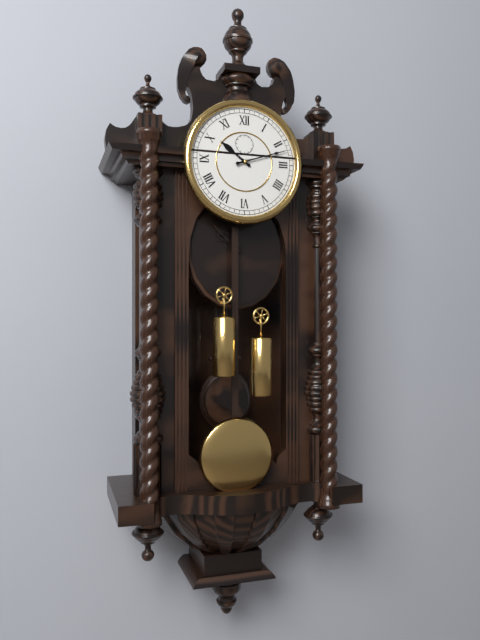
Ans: 10:12
